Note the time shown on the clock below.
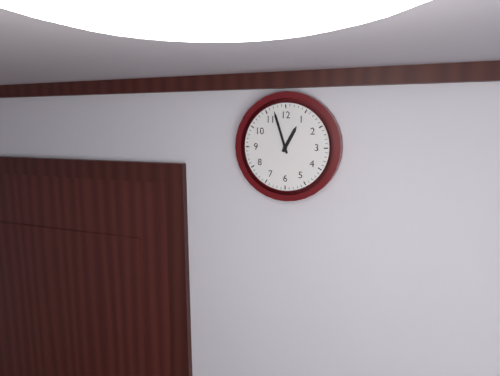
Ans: 12:57
